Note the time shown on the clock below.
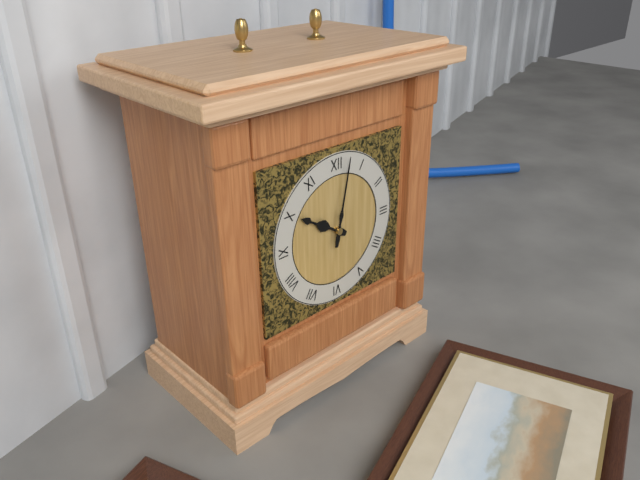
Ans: 10:02
